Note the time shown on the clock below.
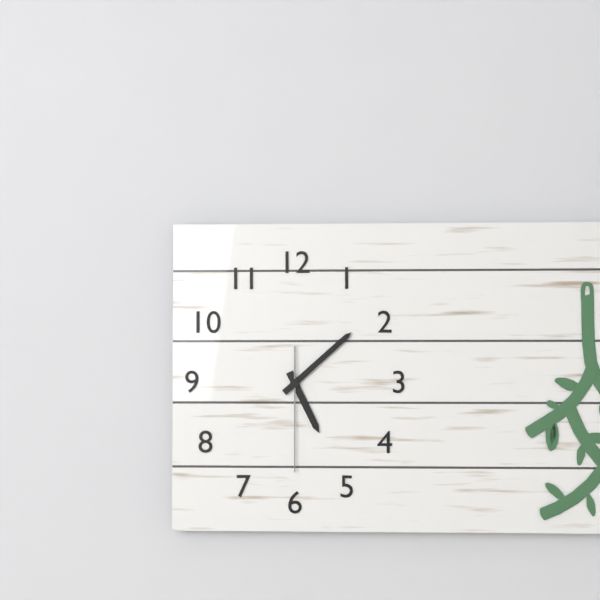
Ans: 5:08:30
